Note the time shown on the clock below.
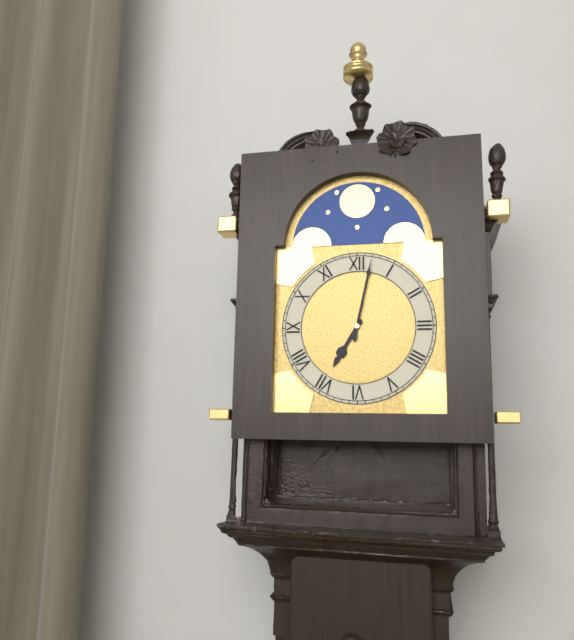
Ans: 7:02
